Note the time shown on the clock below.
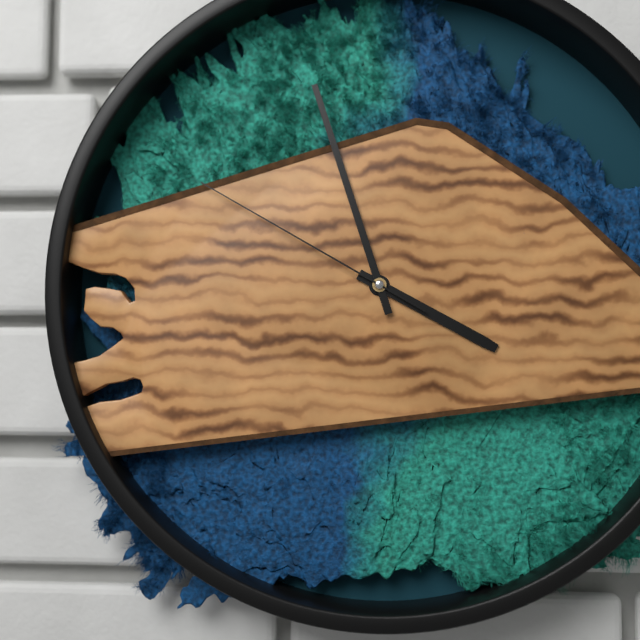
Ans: 3:57:50
